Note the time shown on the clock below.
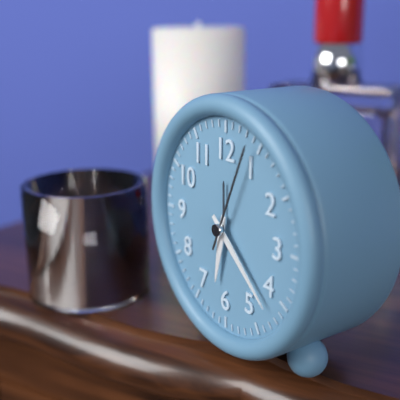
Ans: 6:22:04
